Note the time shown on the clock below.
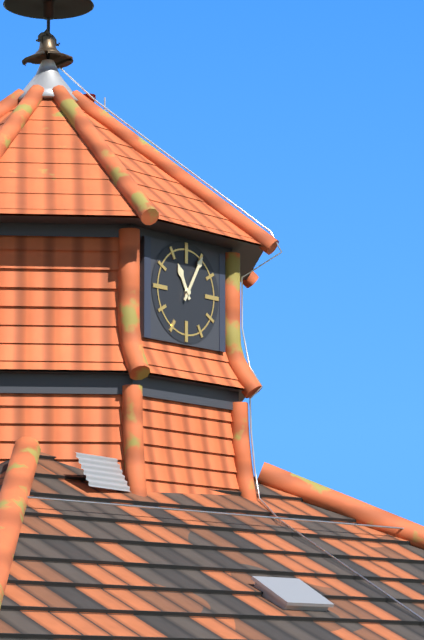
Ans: 11:05
